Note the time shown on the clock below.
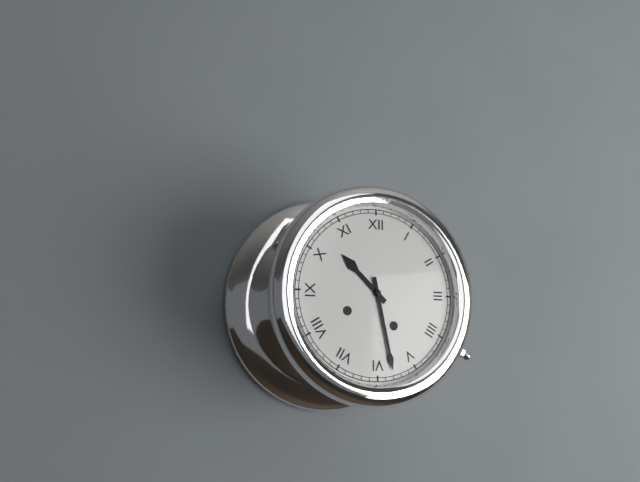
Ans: 10:28
